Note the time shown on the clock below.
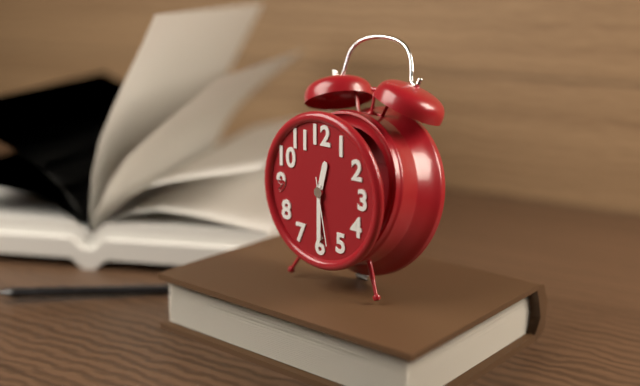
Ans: 12:30:28
